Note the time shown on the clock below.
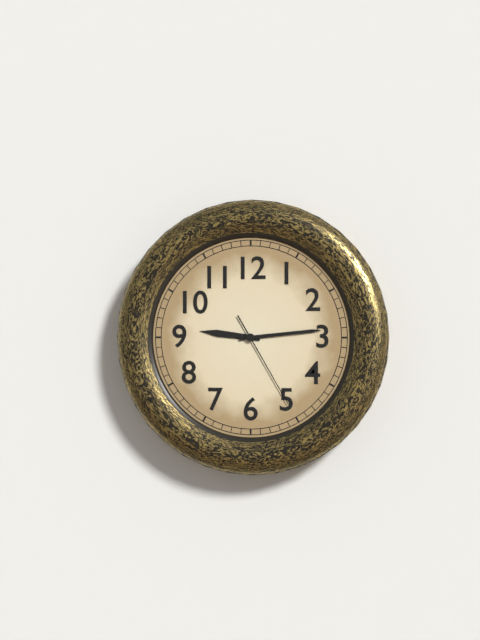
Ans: 9:14:25
